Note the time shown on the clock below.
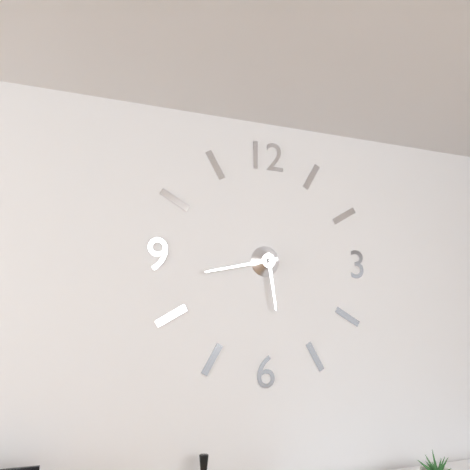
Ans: 5:43
